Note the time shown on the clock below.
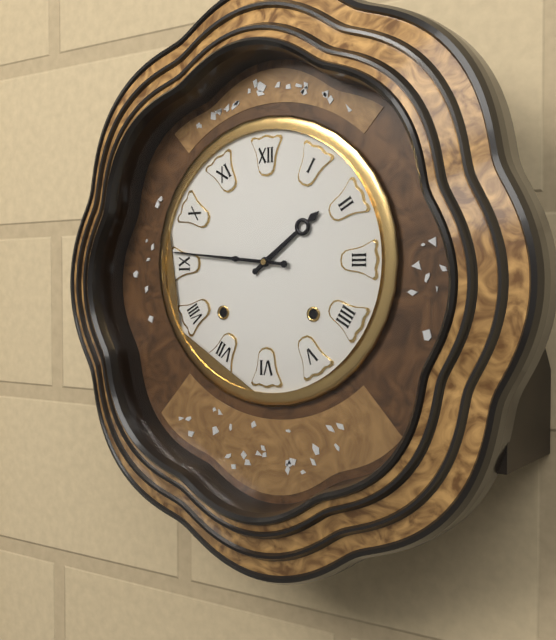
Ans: 1:46
